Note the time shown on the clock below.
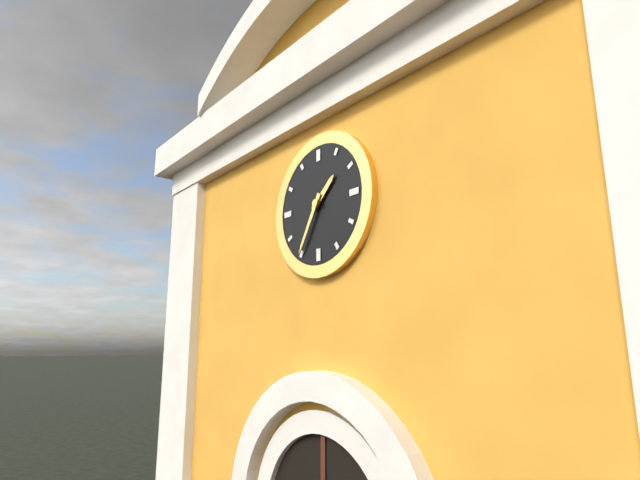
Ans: 1:35
